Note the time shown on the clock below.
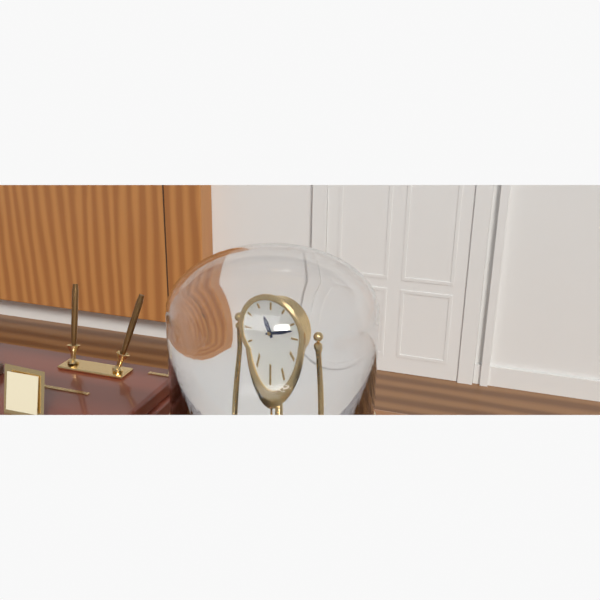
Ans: 11:12
